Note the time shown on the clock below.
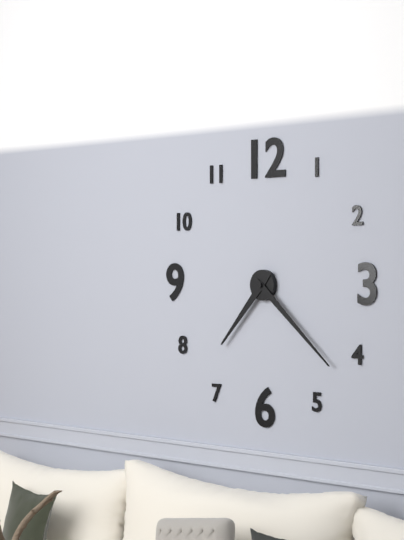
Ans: 7:22
